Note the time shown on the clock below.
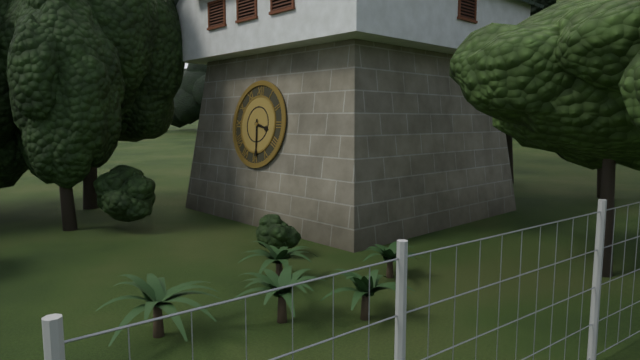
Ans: 3:29
